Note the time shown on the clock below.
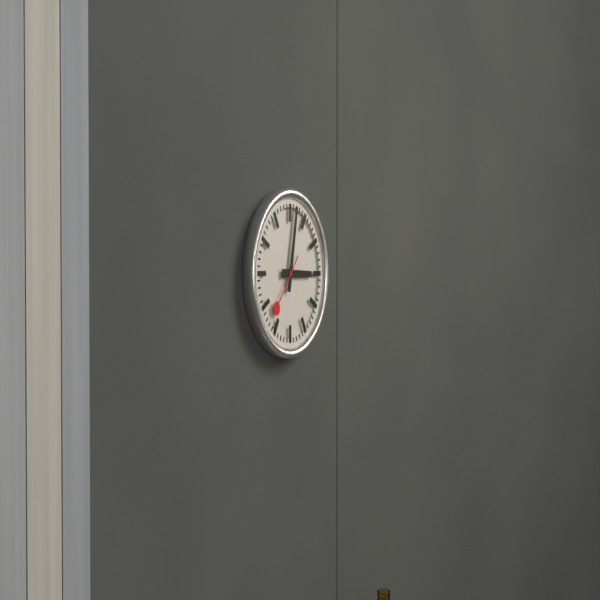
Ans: 3:02:37
